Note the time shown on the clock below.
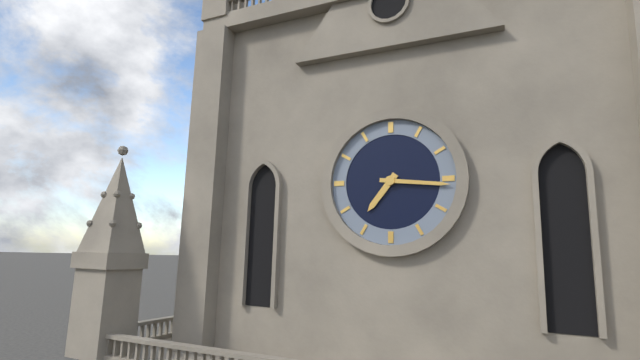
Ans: 7:16
